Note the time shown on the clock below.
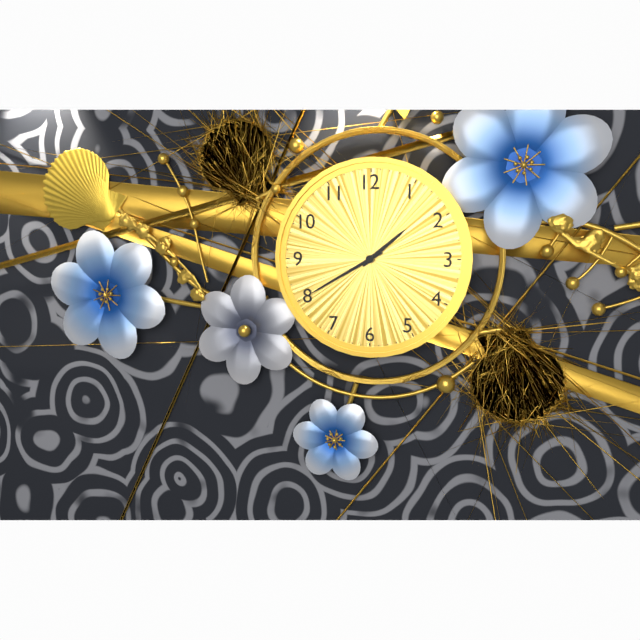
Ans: 1:40
